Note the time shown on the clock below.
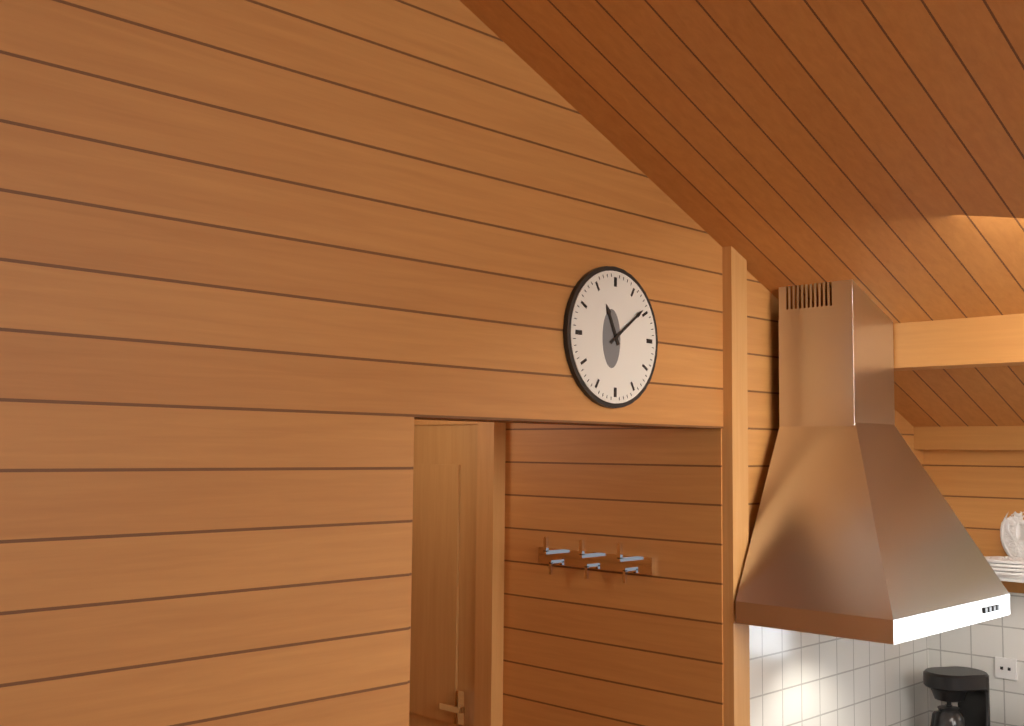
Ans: 11:09
